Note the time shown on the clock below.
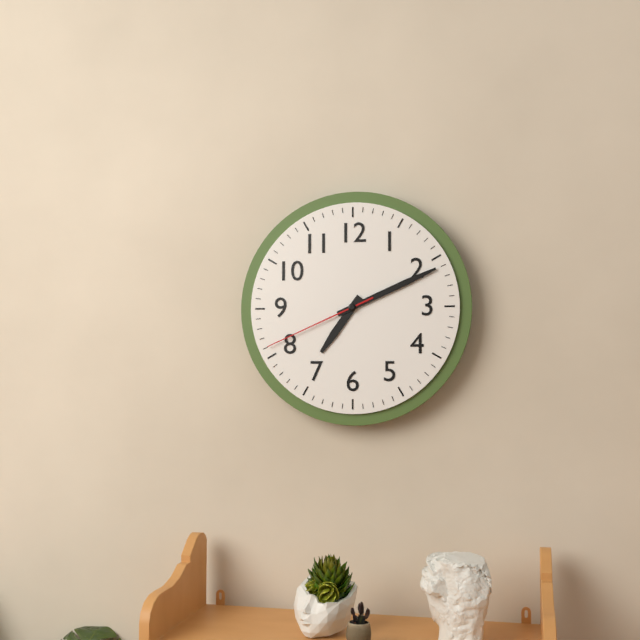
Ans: 7:11:41
